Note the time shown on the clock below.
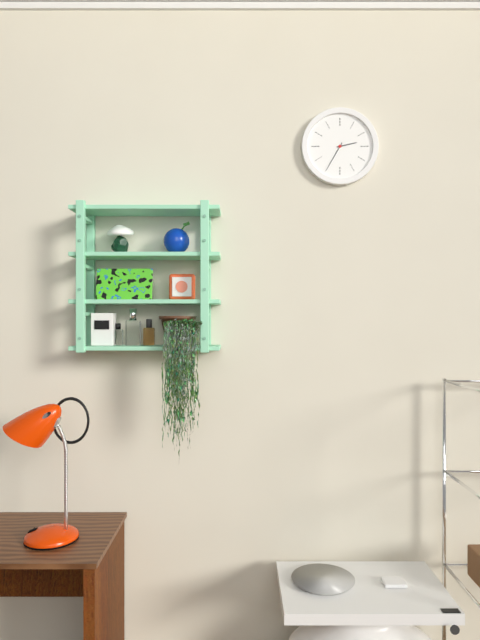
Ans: 2:35
